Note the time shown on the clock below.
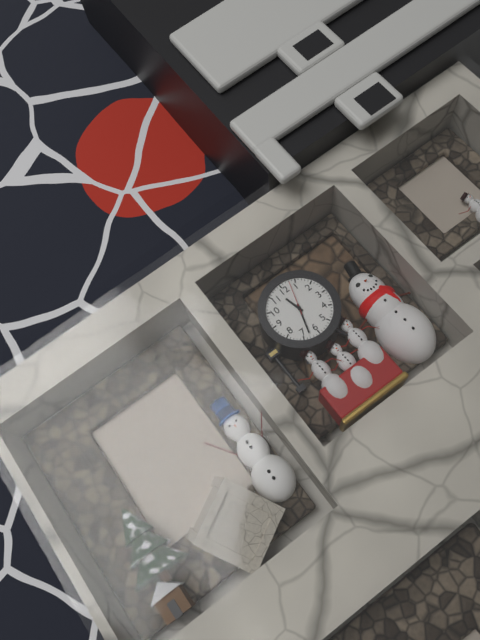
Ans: 11:33
